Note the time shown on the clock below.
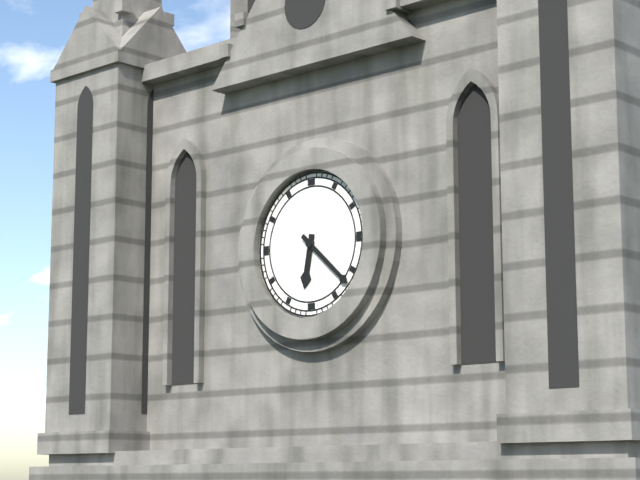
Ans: 6:22
